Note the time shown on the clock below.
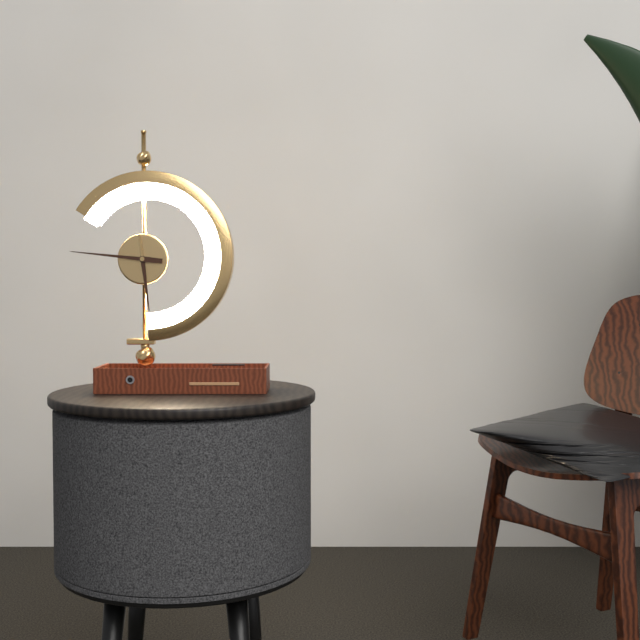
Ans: 5:46
